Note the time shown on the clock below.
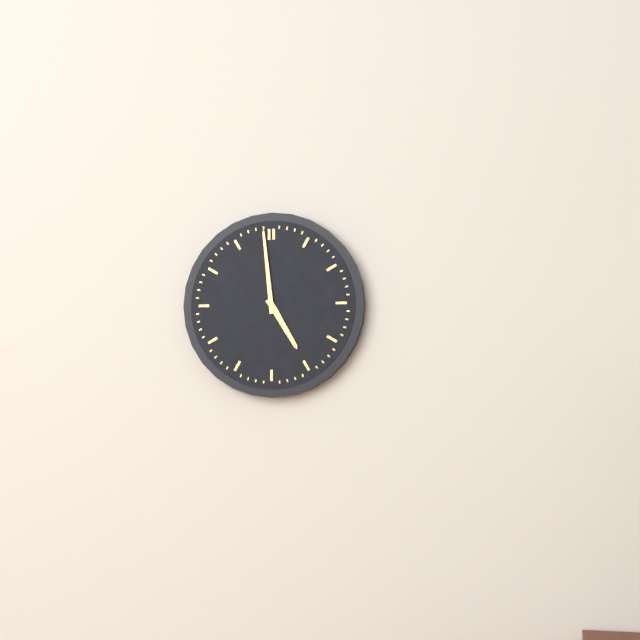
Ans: 4:59
